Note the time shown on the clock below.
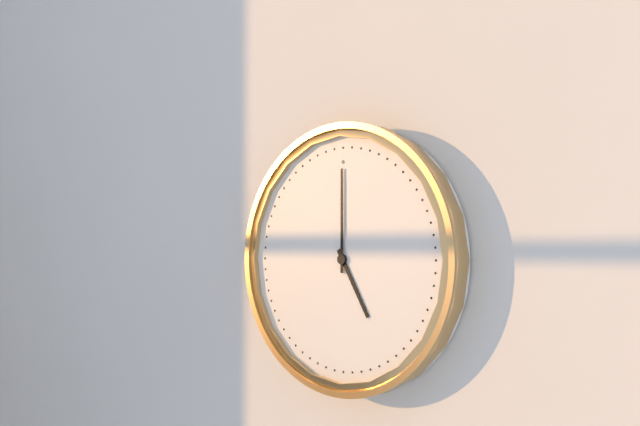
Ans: 5:00
